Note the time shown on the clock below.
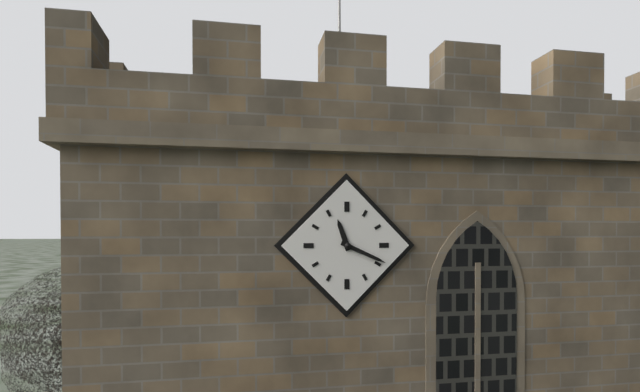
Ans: 11:19
